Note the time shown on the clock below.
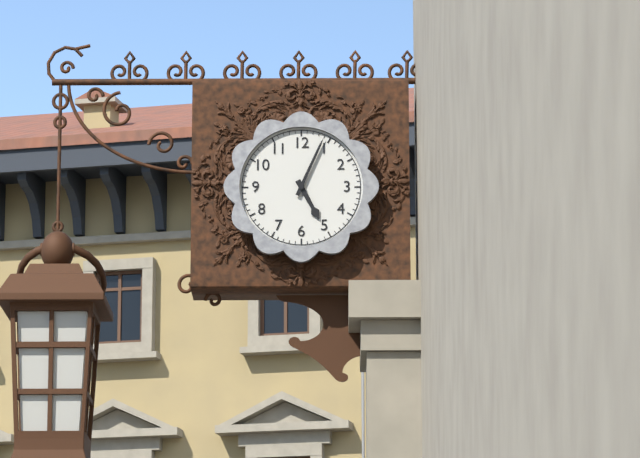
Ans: 5:04
